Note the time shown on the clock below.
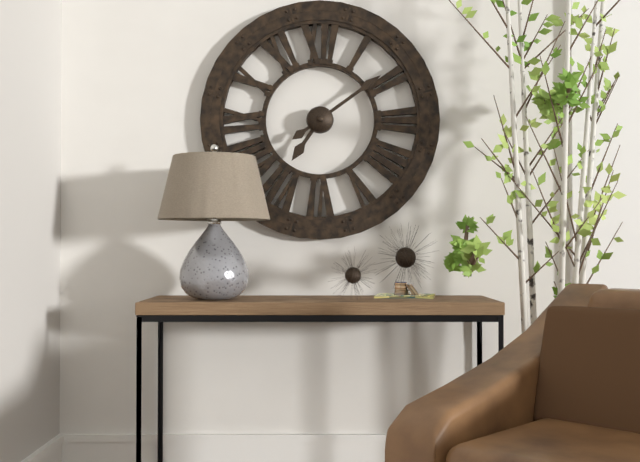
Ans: 7:09
